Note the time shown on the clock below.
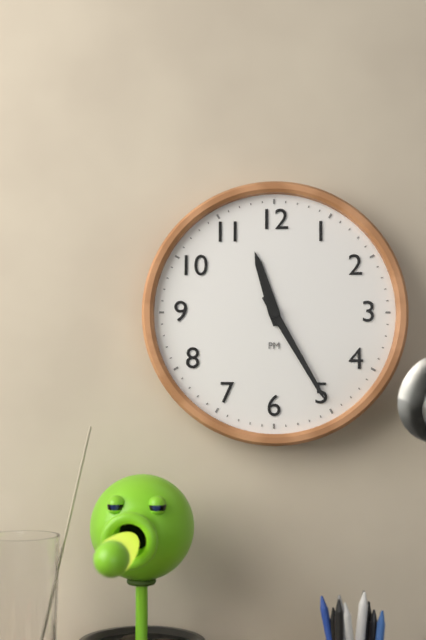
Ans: 11:25
